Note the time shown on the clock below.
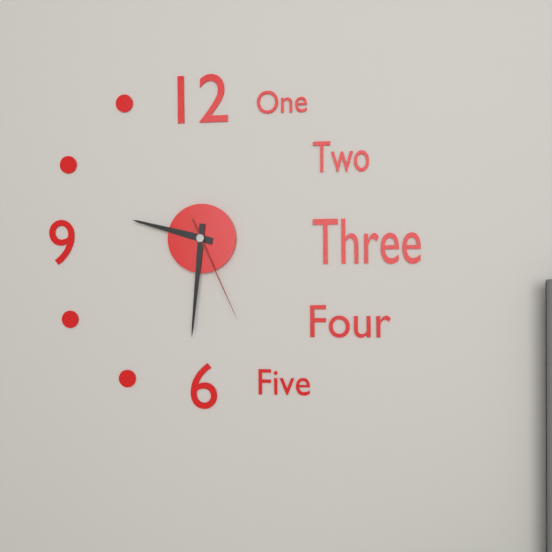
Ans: 9:31:26
